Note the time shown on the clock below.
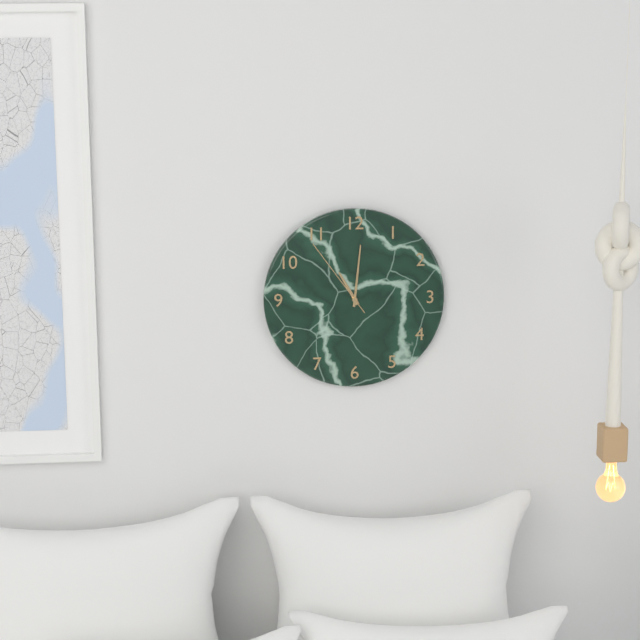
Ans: 11:01:54
